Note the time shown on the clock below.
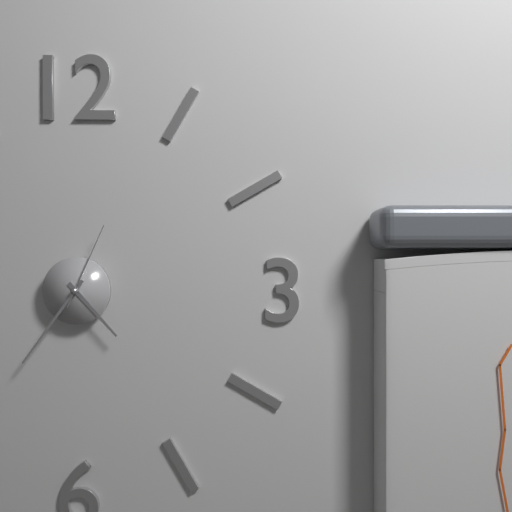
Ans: 4:36:04
